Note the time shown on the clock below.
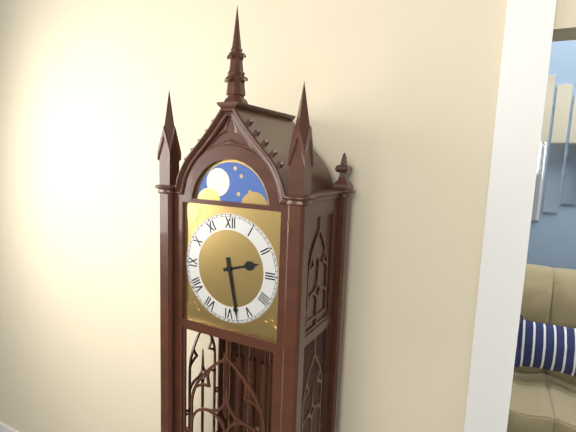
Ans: 2:28
